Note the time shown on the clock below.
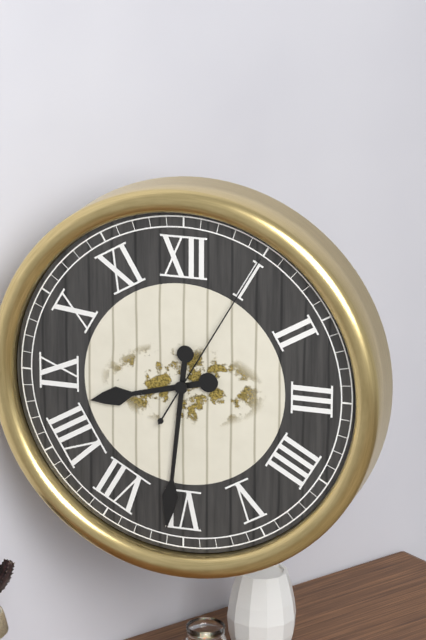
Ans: 8:31:05
